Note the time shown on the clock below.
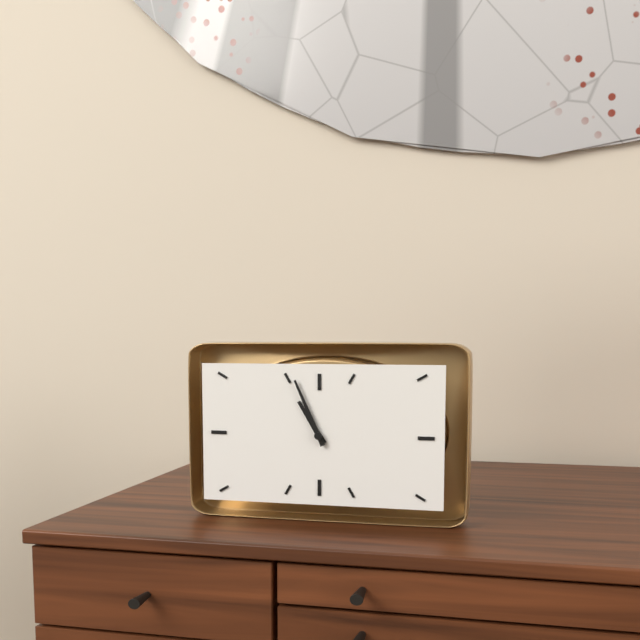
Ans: 10:56
